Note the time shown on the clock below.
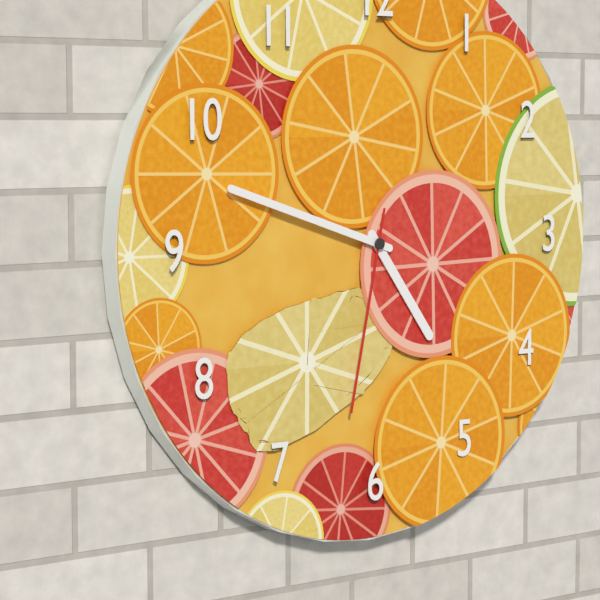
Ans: 4:48:32
